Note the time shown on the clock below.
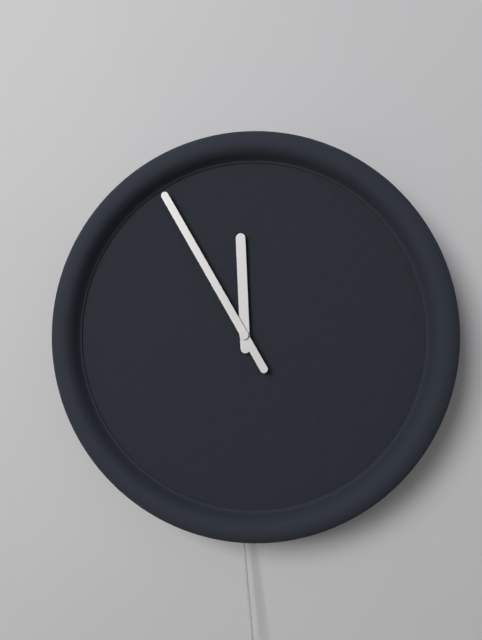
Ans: 11:55
